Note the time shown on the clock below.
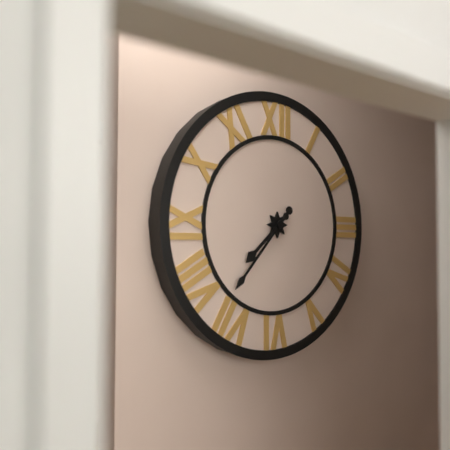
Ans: 7:37
